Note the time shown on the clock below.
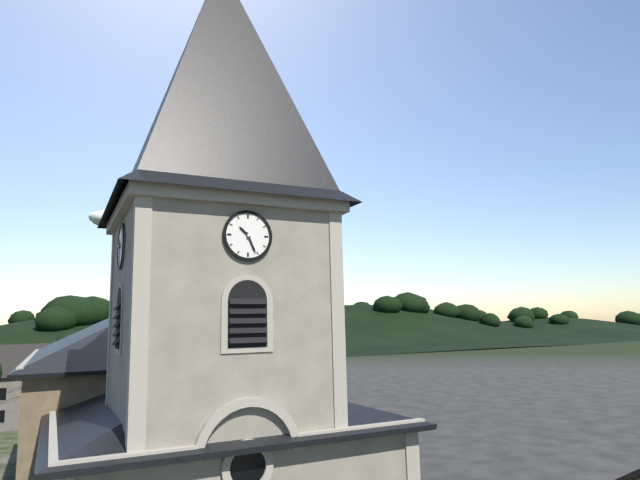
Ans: 10:26
